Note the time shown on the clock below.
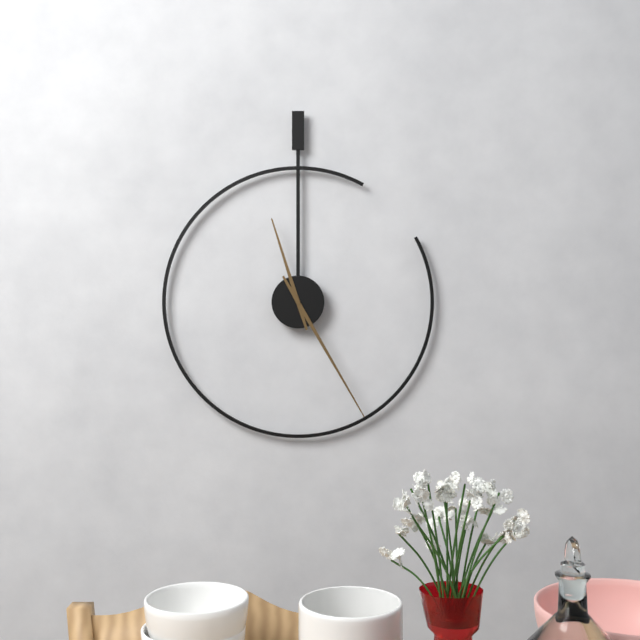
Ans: 11:25
